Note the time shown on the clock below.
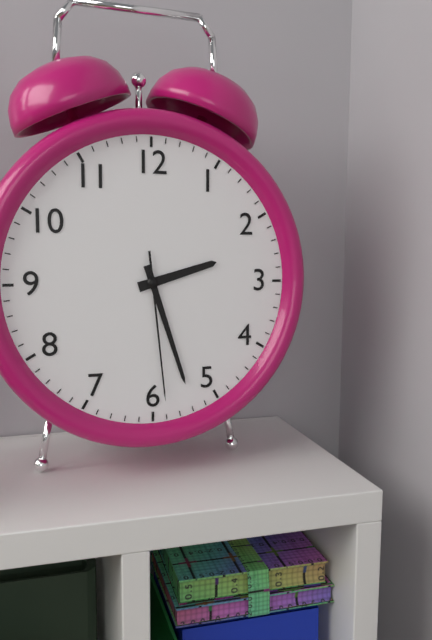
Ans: 2:27:29
